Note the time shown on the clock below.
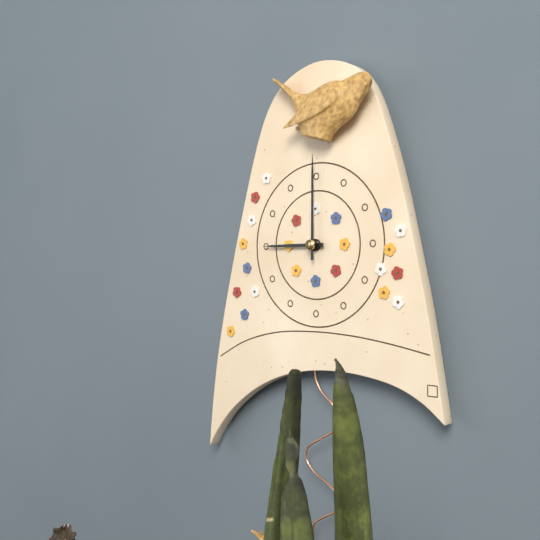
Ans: 9:00
